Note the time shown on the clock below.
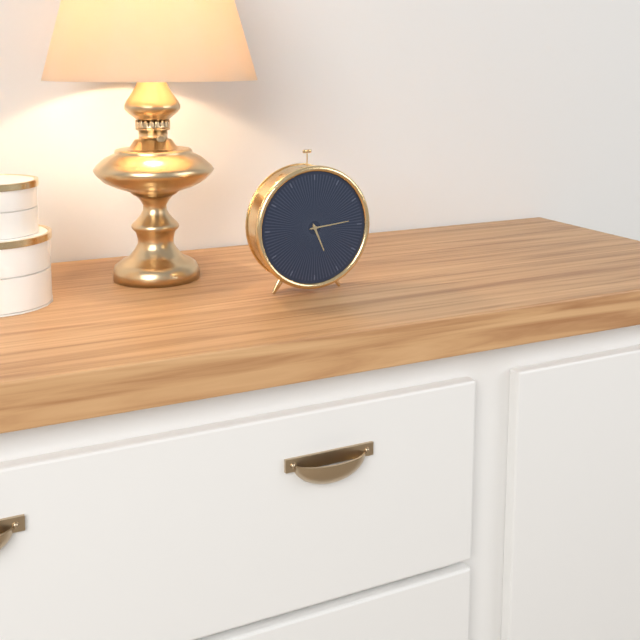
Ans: 5:14
